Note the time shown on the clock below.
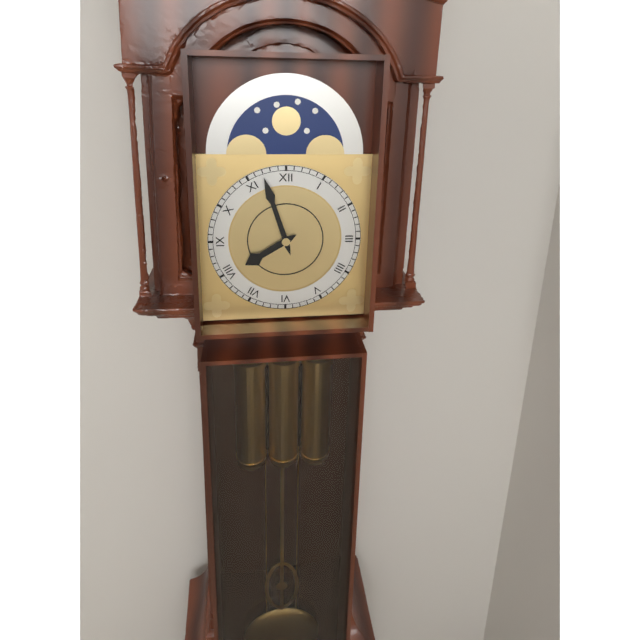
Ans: 7:57
